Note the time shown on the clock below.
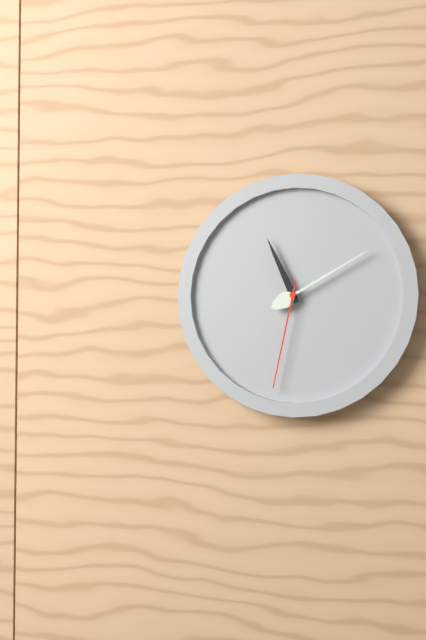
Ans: 11:10:32
